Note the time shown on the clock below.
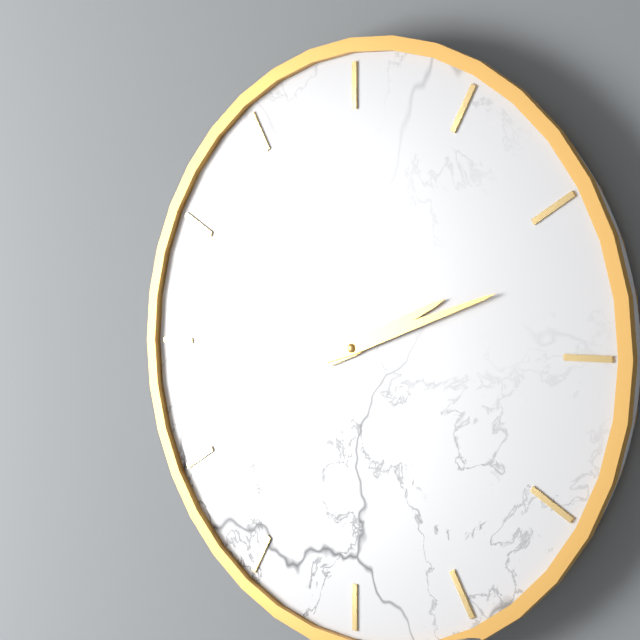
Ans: 2:12
